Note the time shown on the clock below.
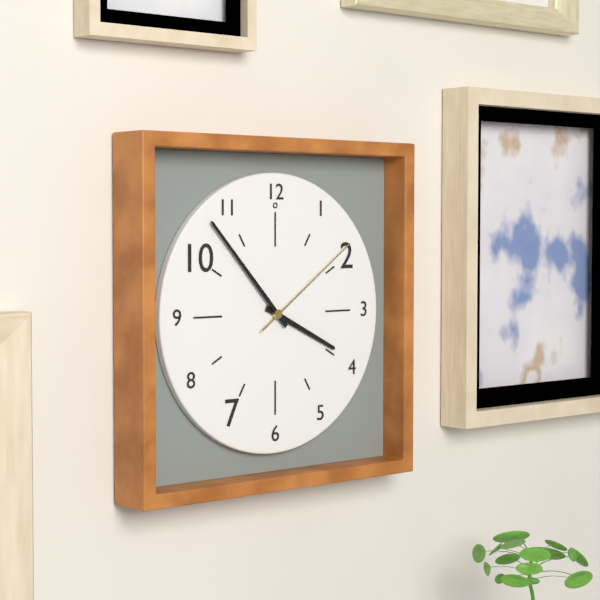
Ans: 3:53:09
